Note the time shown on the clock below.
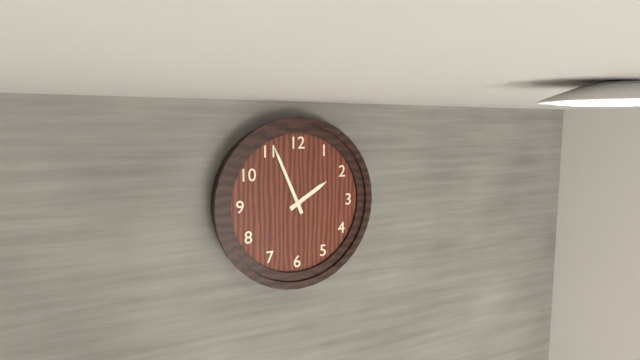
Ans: 1:56
